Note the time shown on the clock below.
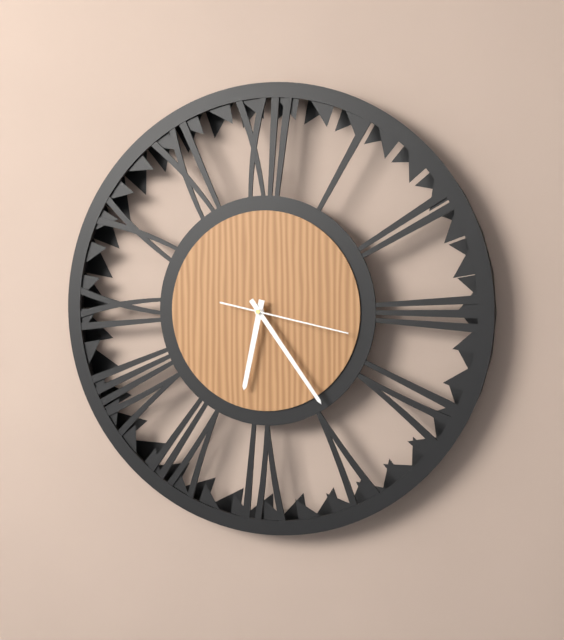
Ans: 6:24:17
